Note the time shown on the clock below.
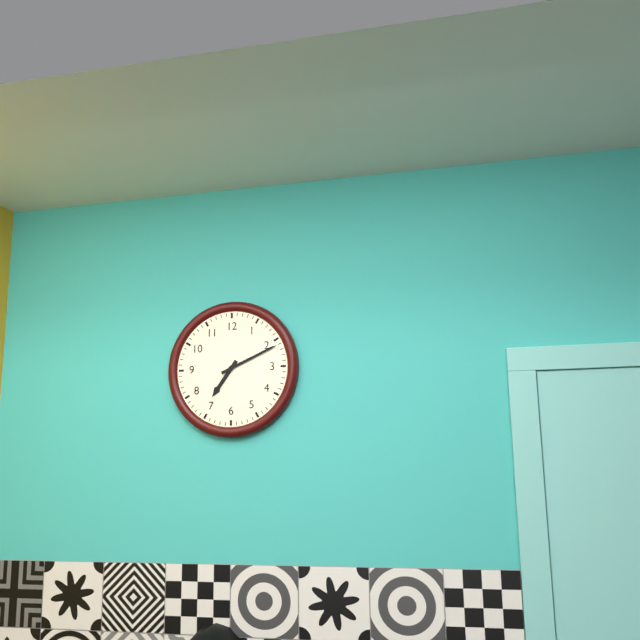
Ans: 7:11
